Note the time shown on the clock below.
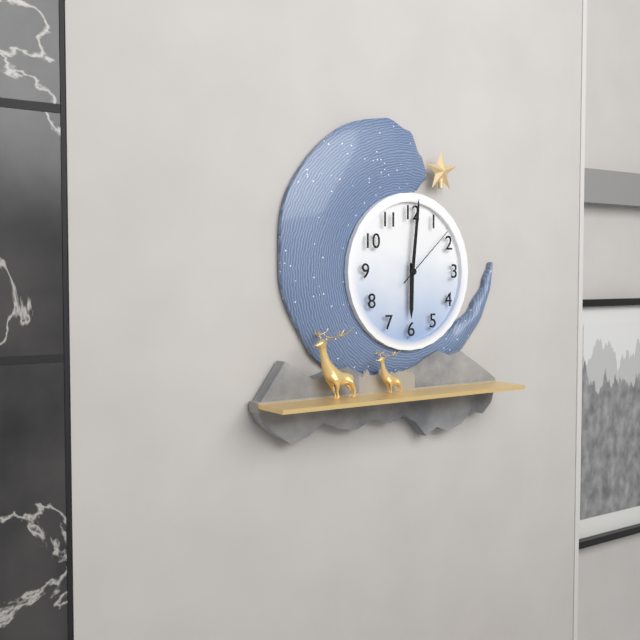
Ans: 6:01:08
